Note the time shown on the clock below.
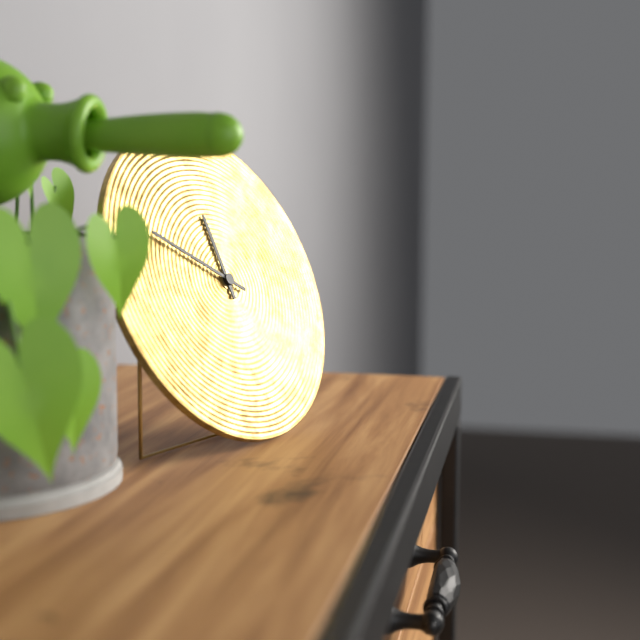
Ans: 11:50
